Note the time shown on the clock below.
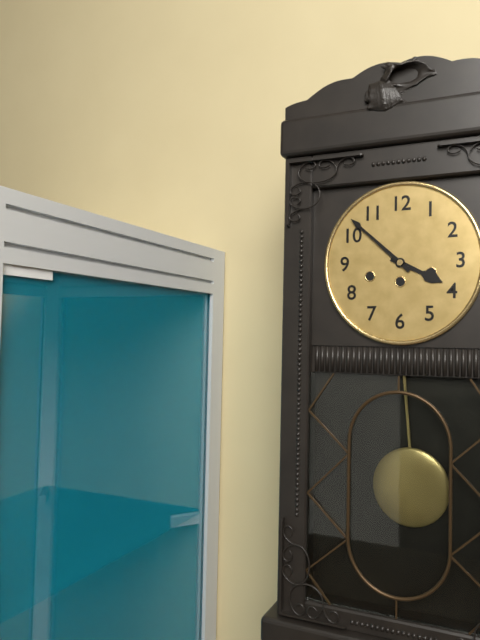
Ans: 3:52
